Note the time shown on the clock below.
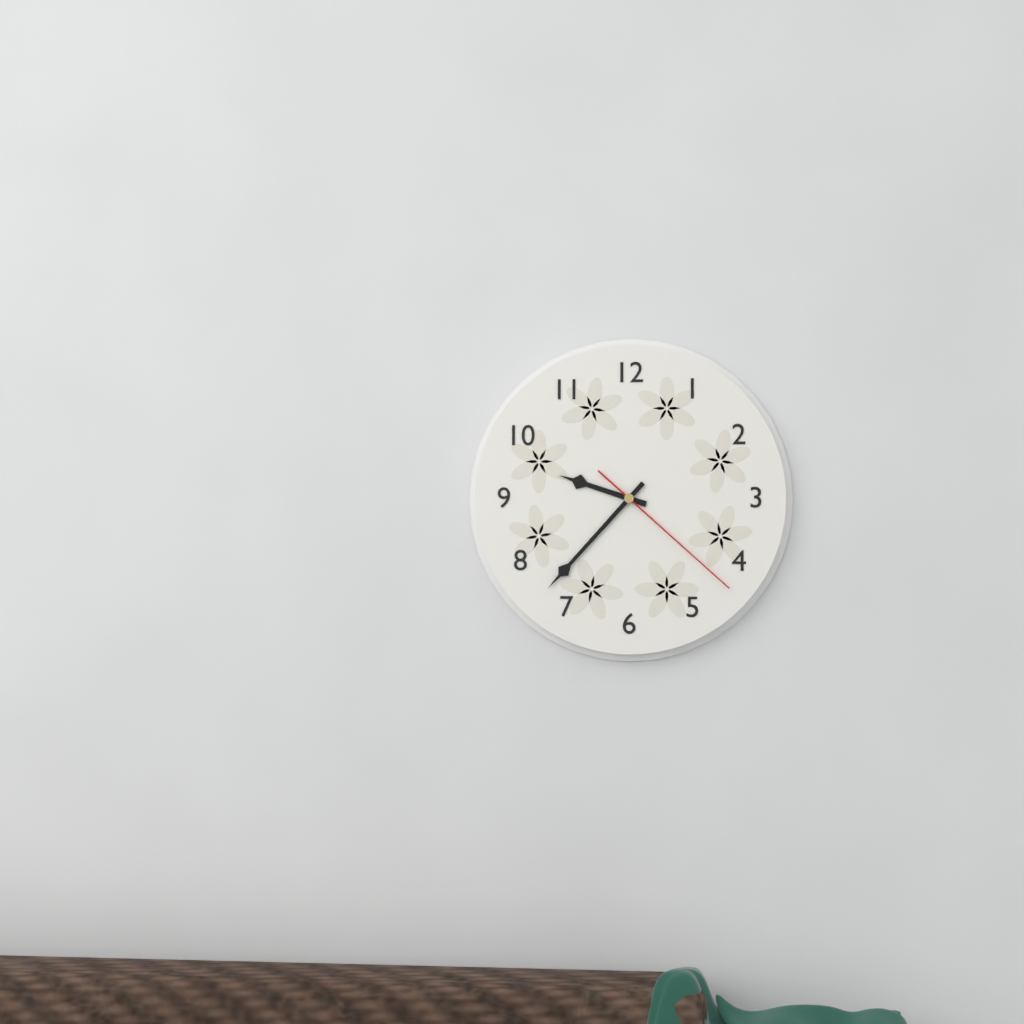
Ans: 9:37:22
